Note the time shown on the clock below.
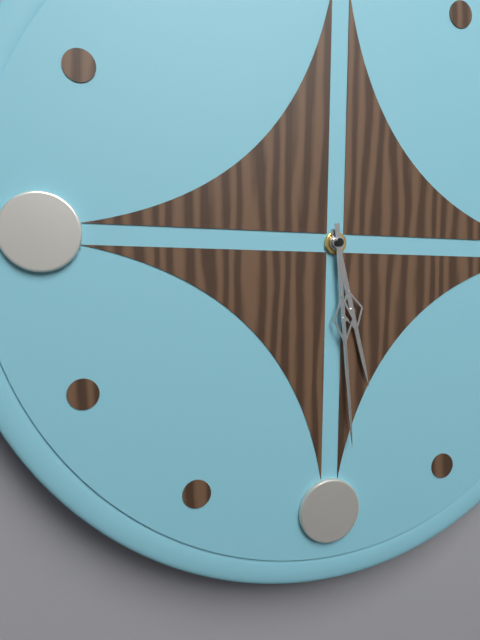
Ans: 5:29
